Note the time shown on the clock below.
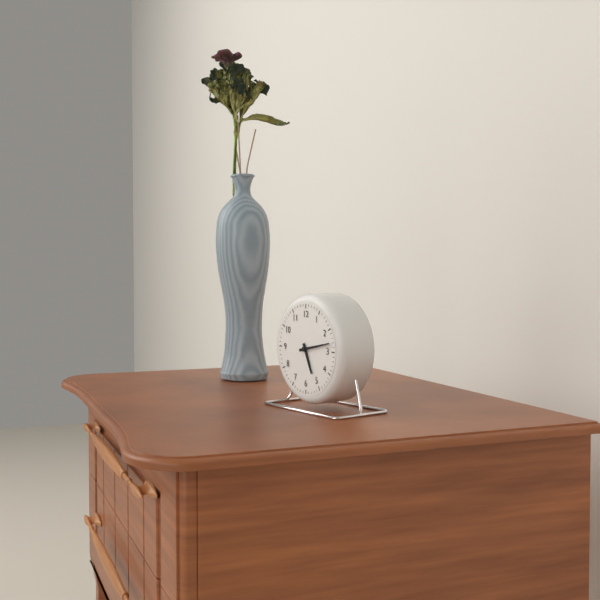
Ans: 5:13
